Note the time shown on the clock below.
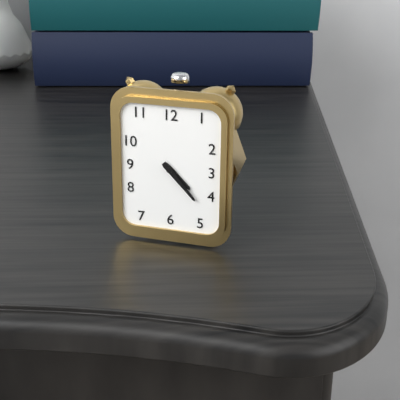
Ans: 4:23
